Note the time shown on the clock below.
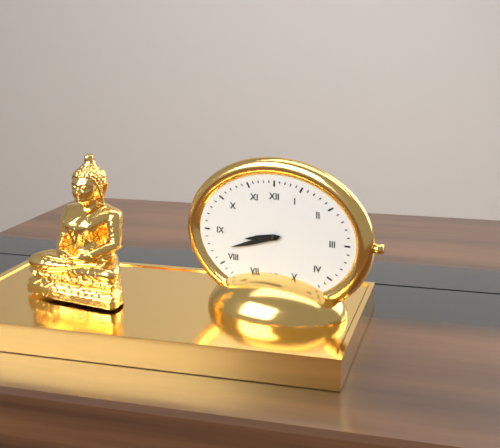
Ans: 8:42
